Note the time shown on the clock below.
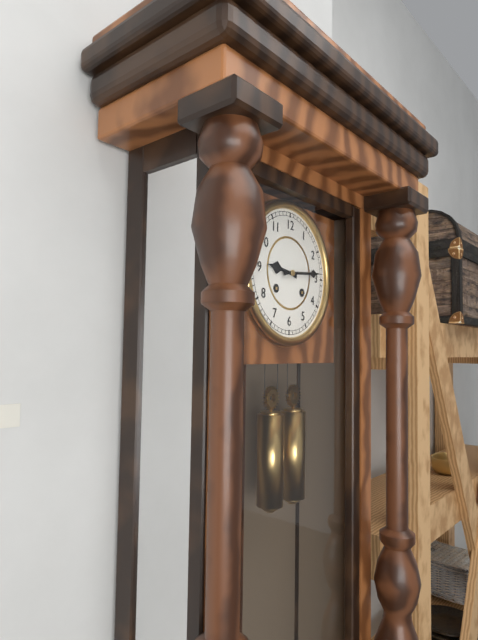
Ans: 9:14
